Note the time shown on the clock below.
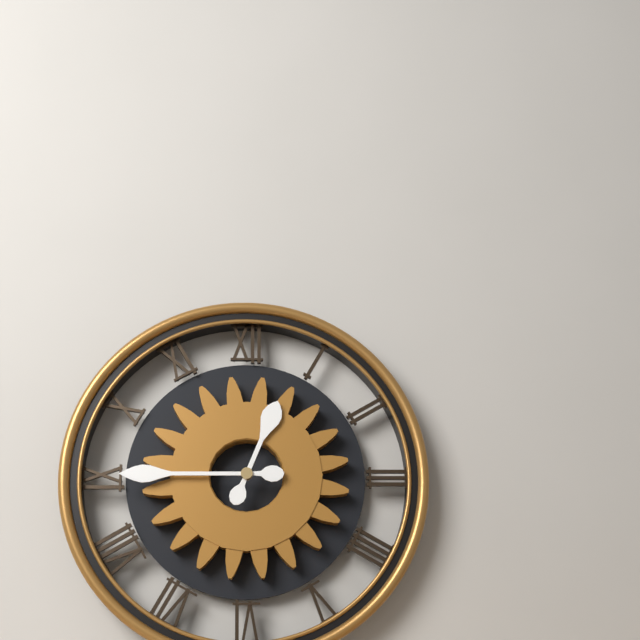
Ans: 12:45
